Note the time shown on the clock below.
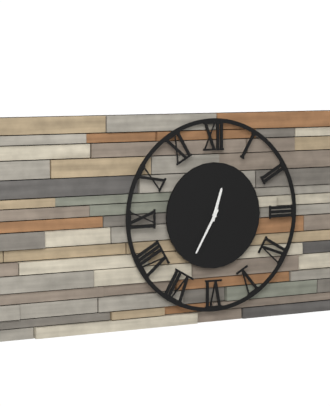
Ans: 12:35
